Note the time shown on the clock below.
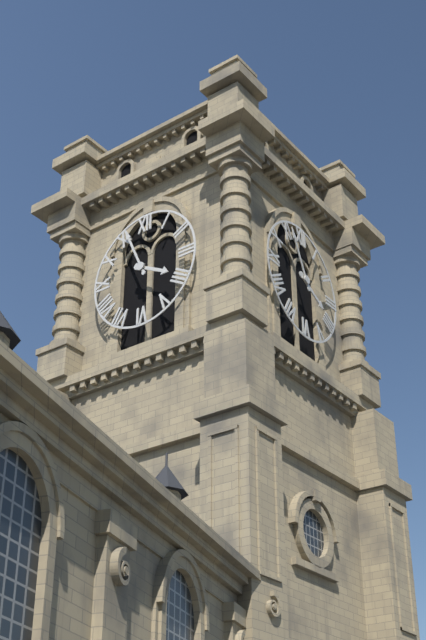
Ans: 3:56
